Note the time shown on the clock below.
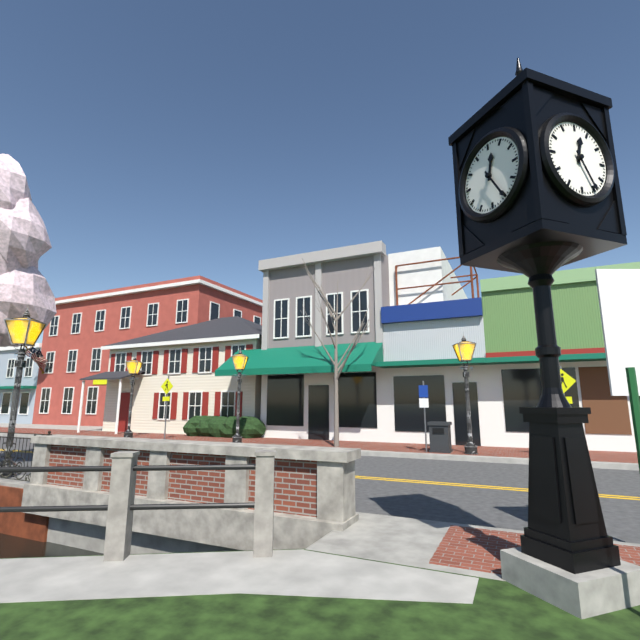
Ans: 12:25
